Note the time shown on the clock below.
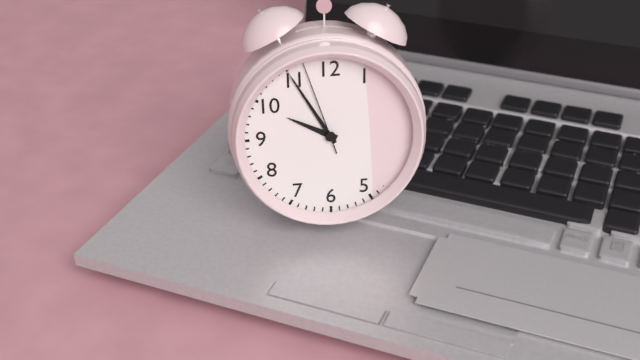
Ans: 9:55:57
